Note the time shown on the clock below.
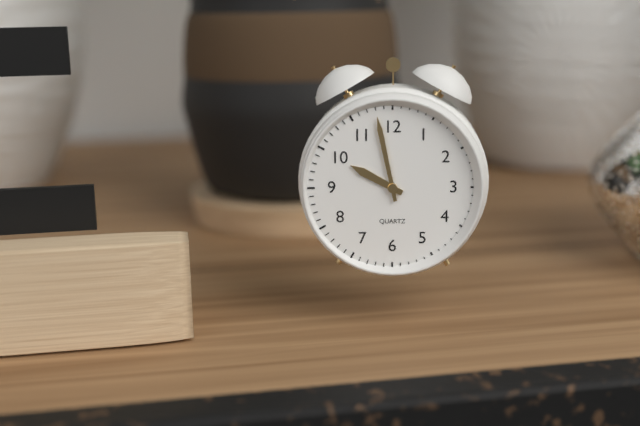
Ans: 9:58
